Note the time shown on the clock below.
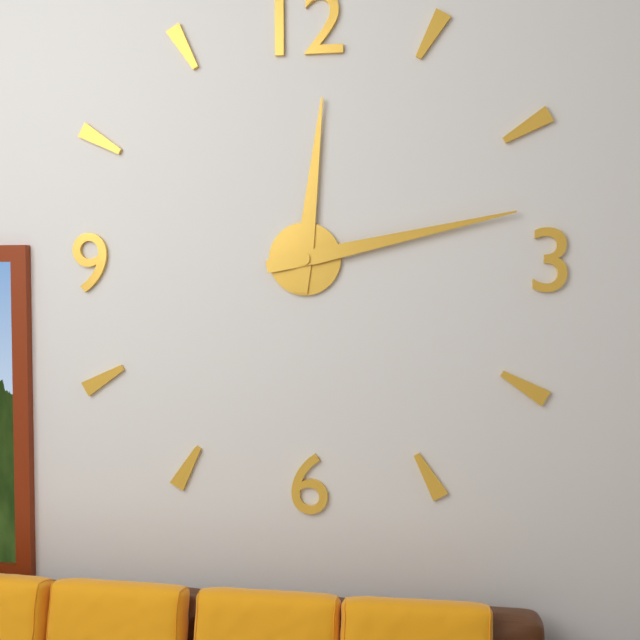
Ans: 12:13
